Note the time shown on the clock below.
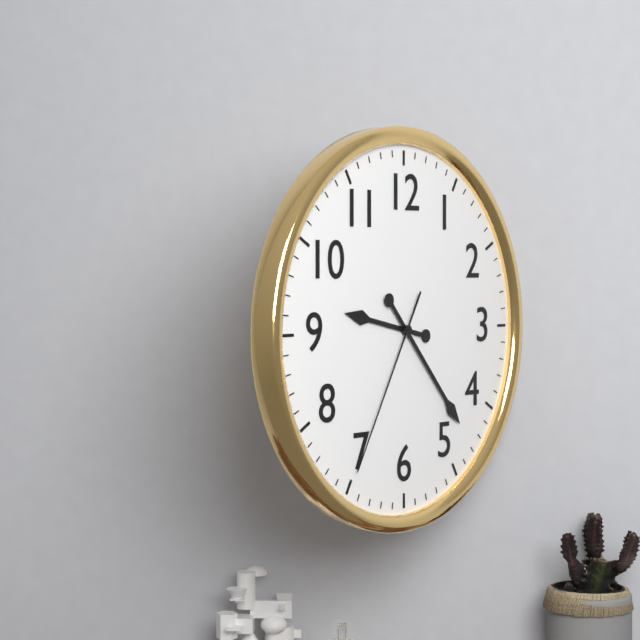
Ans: 9:23:35
